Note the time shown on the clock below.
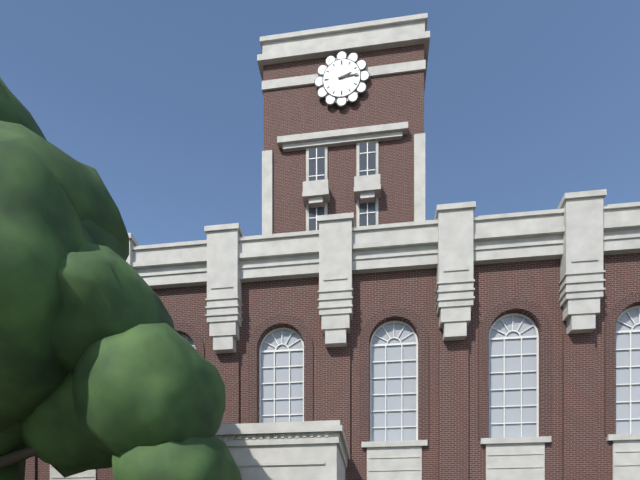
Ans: 2:14
